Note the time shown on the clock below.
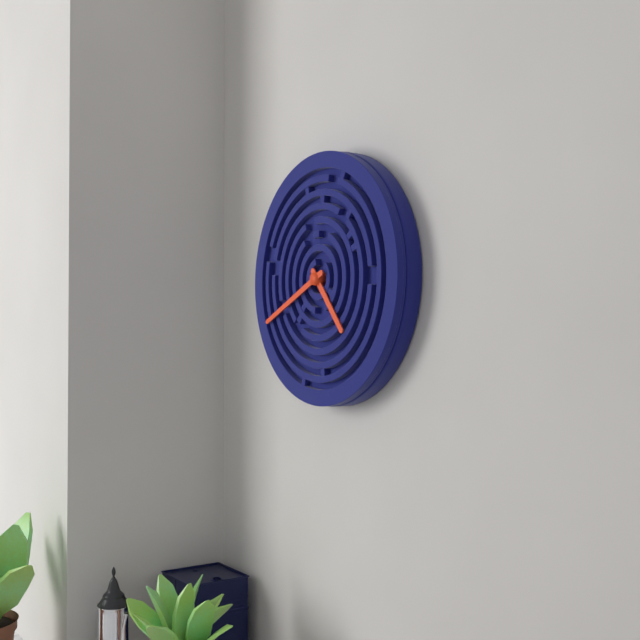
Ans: 4:41
